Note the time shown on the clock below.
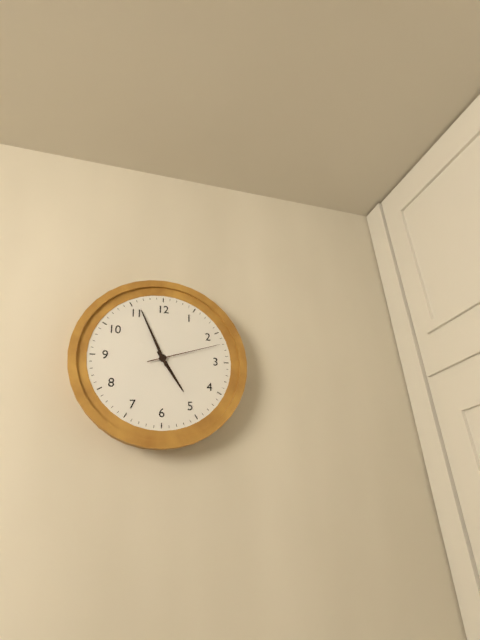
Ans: 4:56:12
